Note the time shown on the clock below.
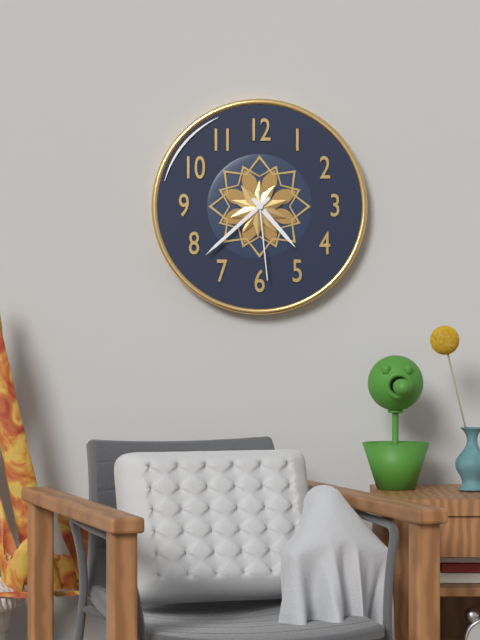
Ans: 4:38:29
